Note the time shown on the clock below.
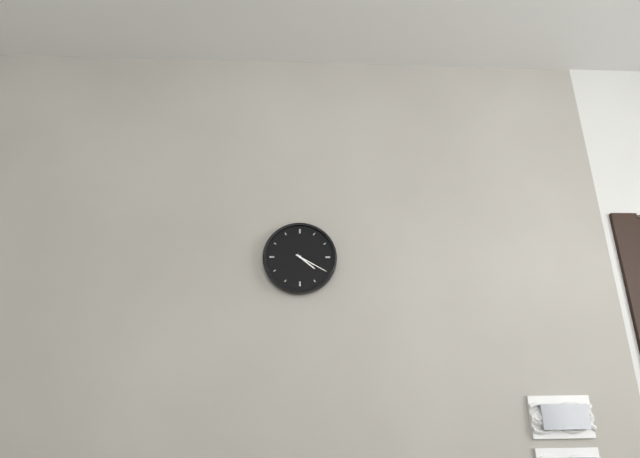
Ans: 4:20
